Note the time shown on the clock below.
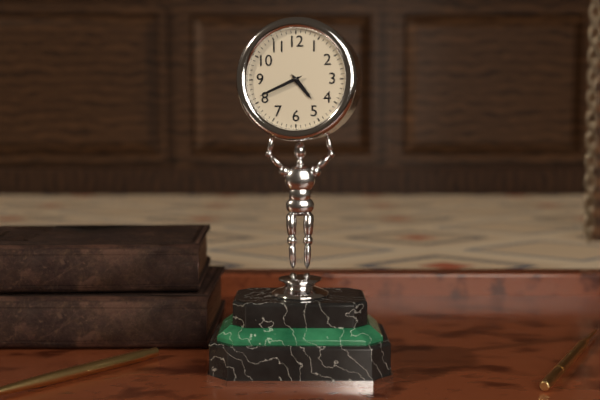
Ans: 4:41
